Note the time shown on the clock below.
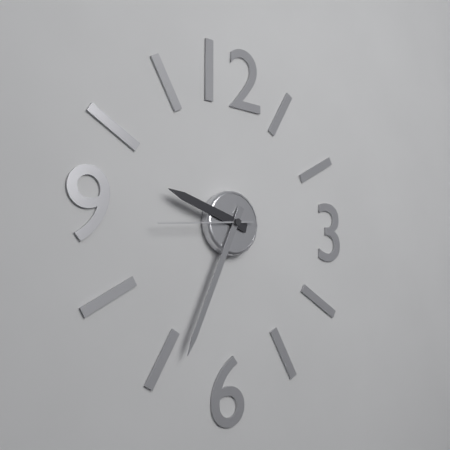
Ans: 9:34:44
